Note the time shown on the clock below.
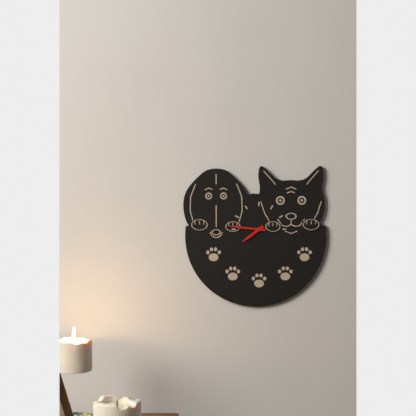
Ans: 7:46
